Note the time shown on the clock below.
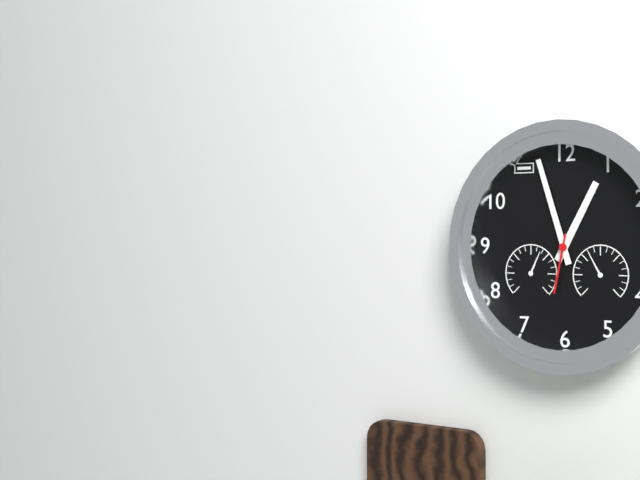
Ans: 12:57:32
